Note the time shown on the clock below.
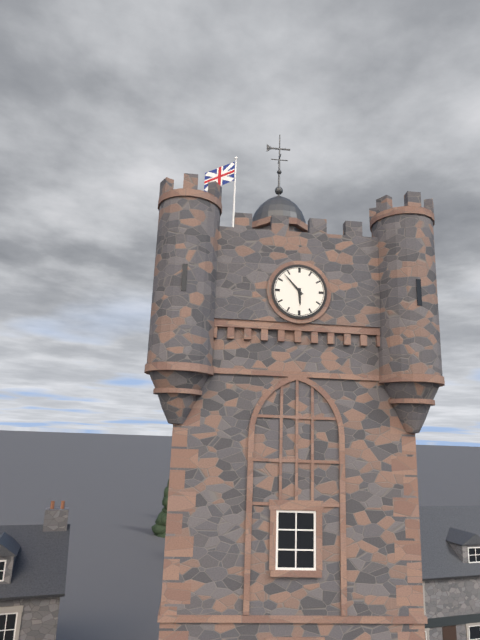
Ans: 5:53
